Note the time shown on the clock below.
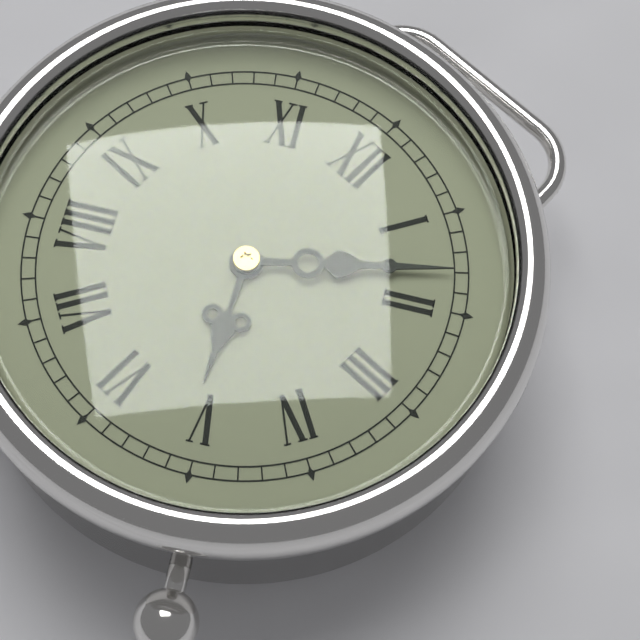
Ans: 5:08
